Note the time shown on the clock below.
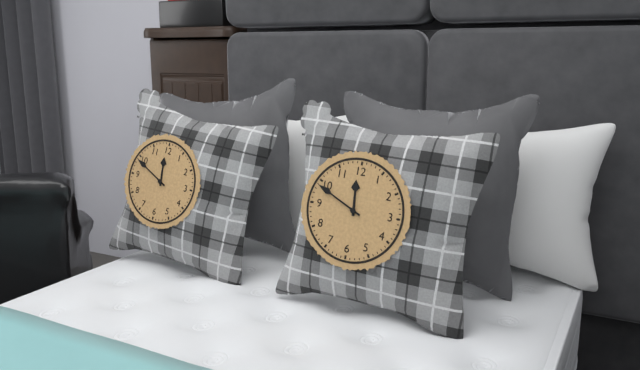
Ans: 11:49
